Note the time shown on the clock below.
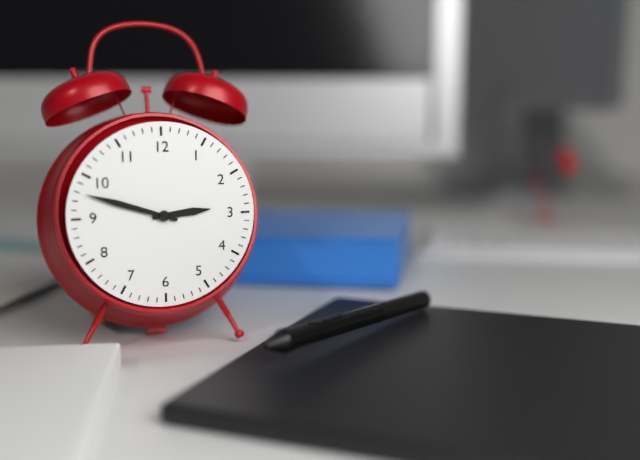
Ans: 2:48
